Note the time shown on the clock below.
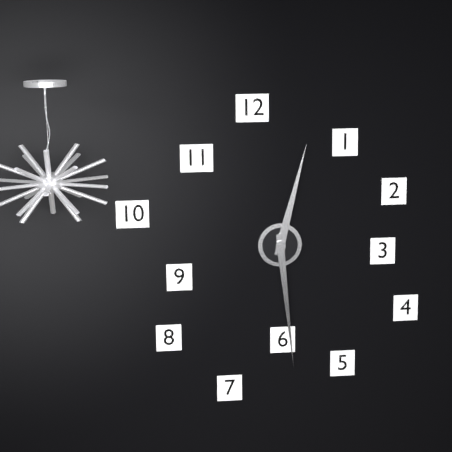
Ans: 12:29
